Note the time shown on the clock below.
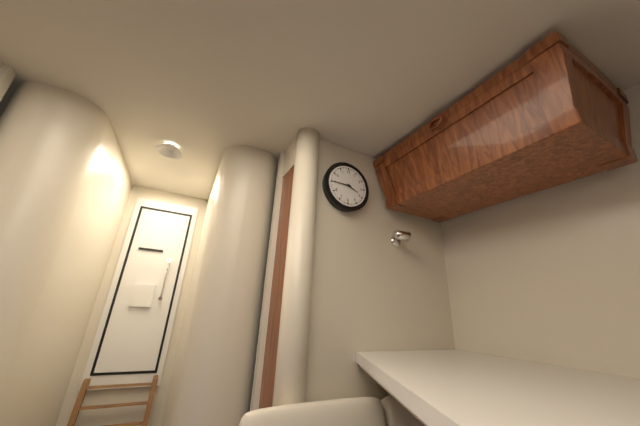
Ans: 3:45
